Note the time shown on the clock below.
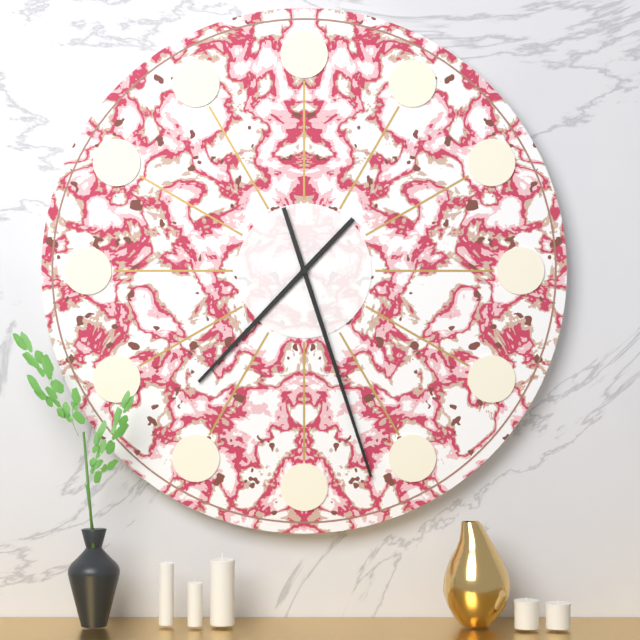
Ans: 7:27
